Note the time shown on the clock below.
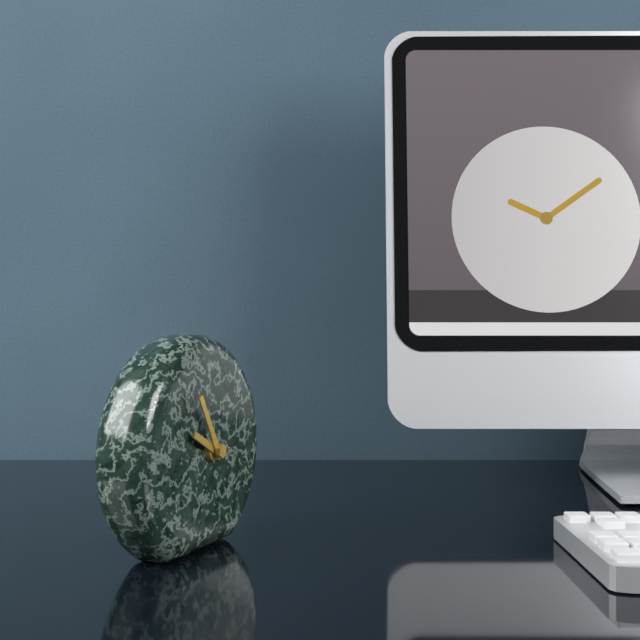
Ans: 9:55
